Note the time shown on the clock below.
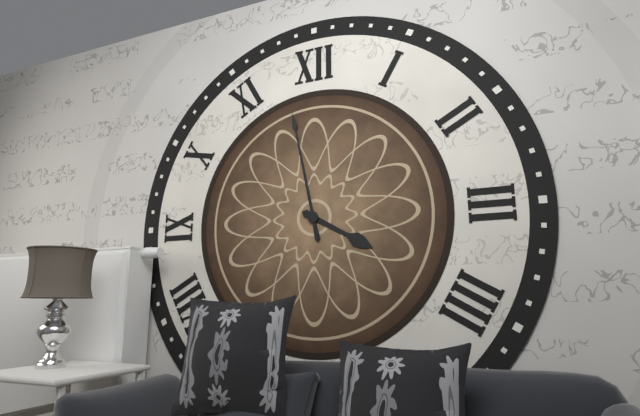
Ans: 3:58
